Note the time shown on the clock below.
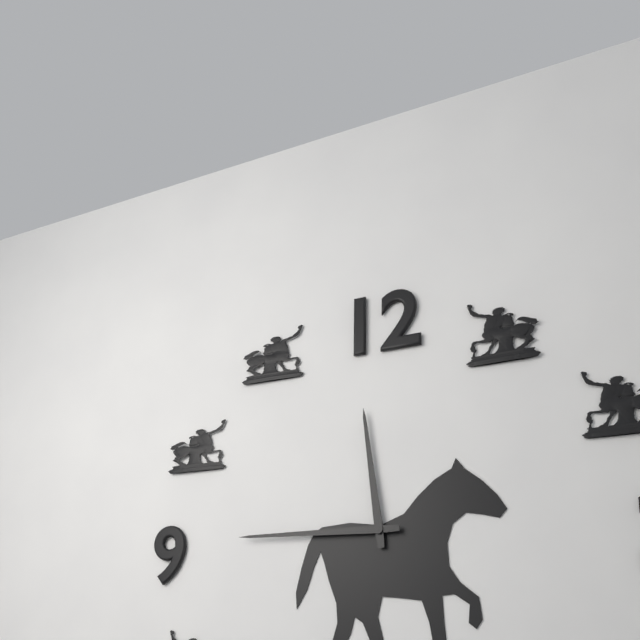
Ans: 11:45
